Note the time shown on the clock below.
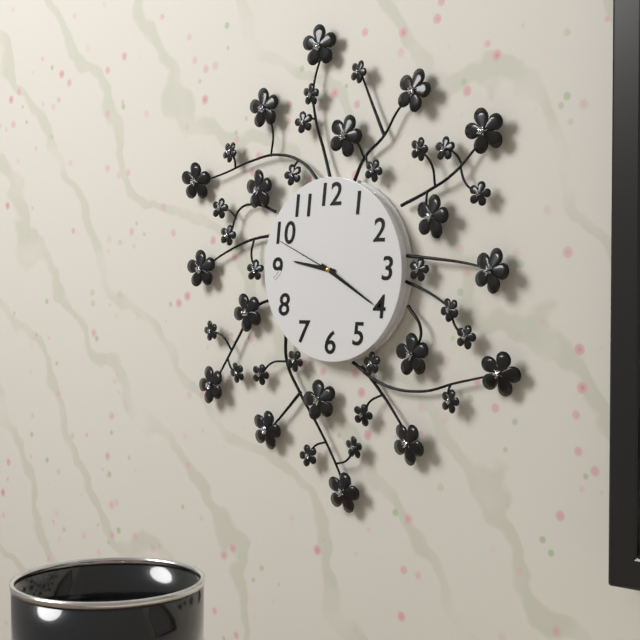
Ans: 9:20:49
